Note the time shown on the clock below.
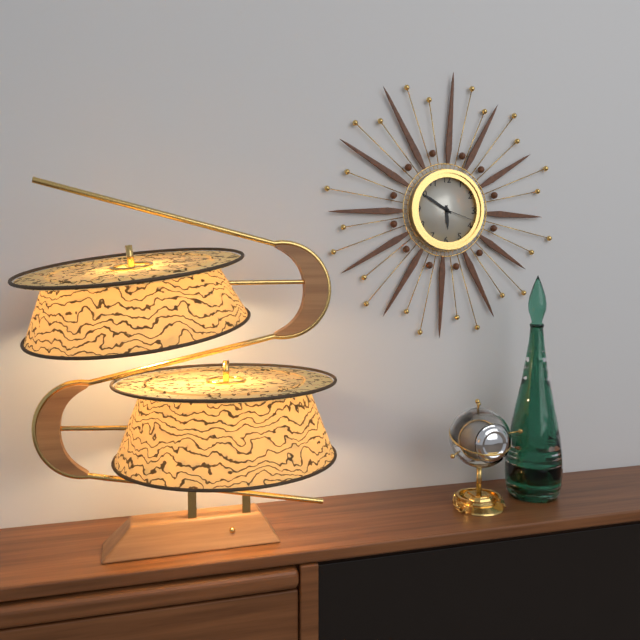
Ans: 5:50
